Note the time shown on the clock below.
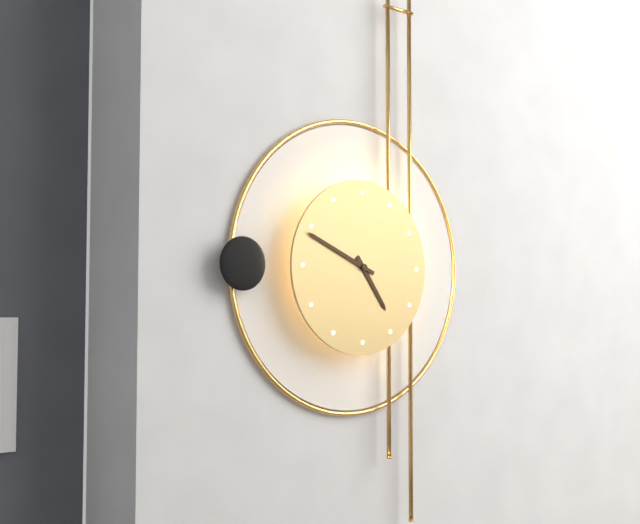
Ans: 4:49
